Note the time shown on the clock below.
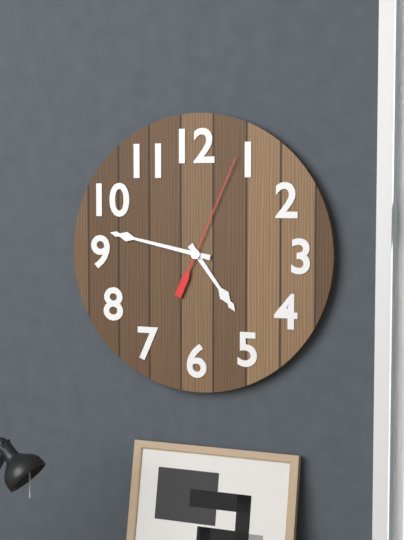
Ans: 4:47:04
